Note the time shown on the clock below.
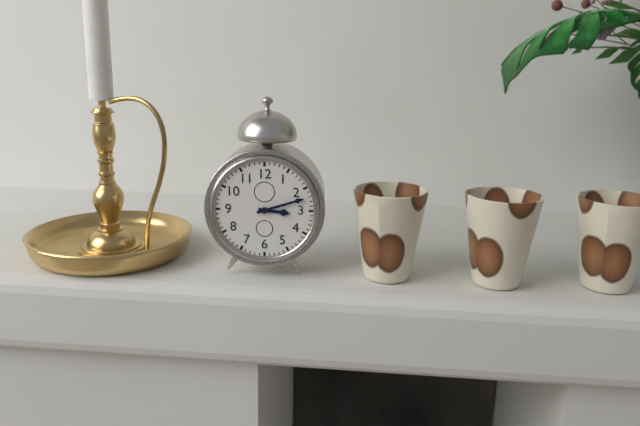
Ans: 3:12
